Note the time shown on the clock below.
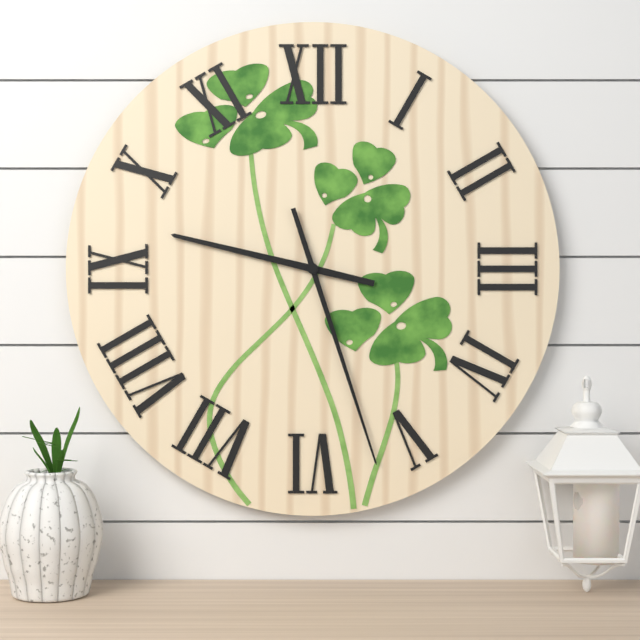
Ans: 9:27
